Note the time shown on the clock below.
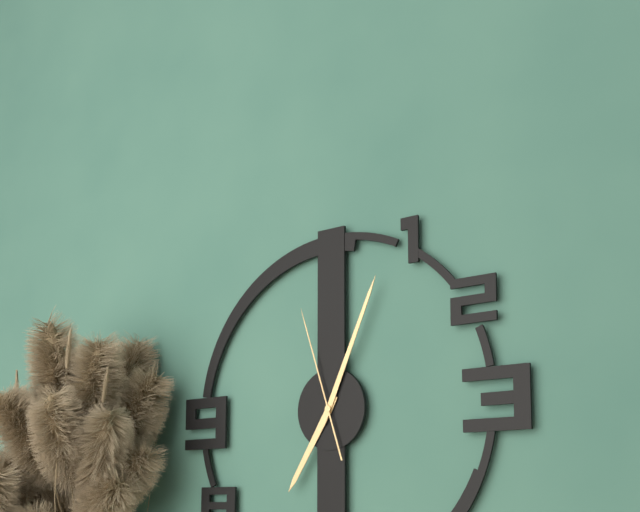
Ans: 7:04:57
